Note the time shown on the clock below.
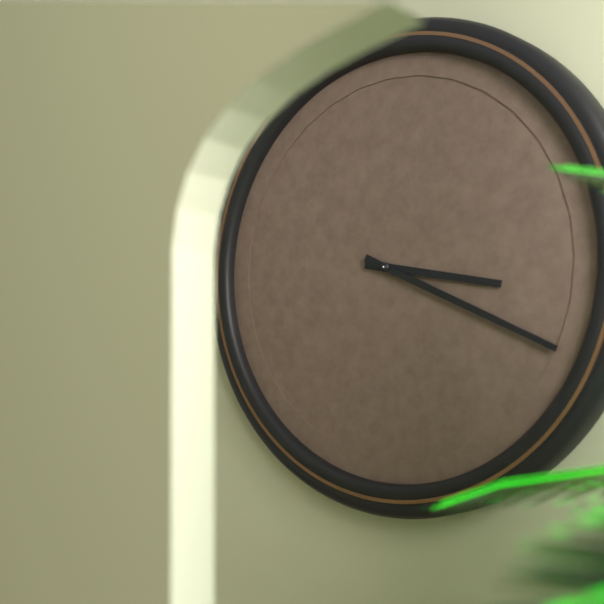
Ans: 3:19
